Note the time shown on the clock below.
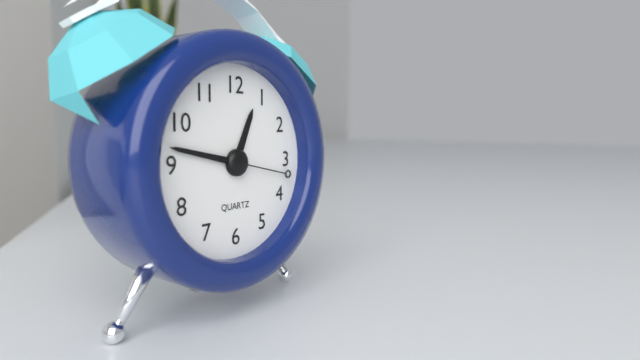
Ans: 12:47:17
